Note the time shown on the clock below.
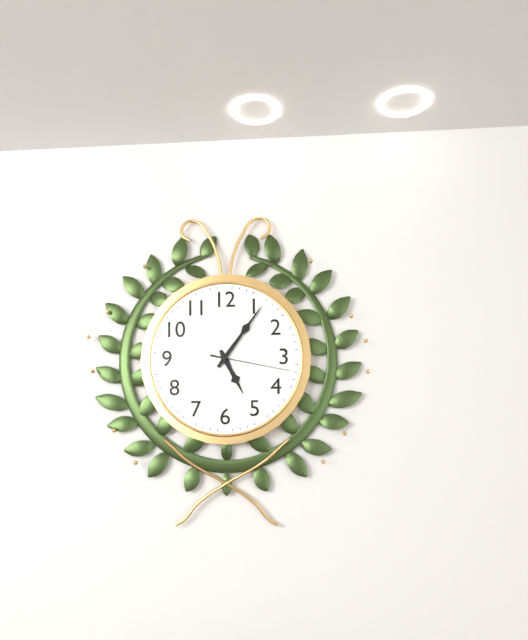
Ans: 5:06:17
